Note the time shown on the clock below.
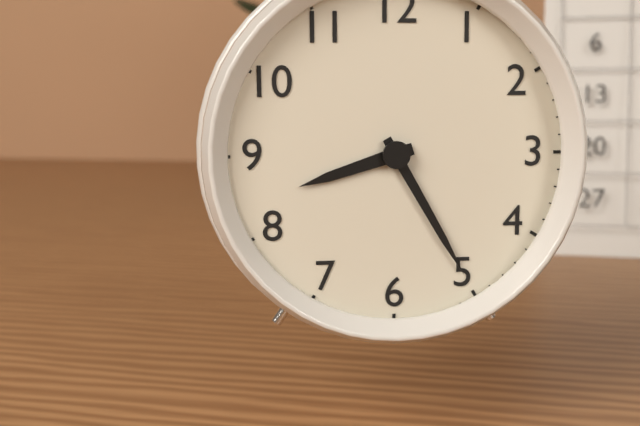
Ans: 8:25
